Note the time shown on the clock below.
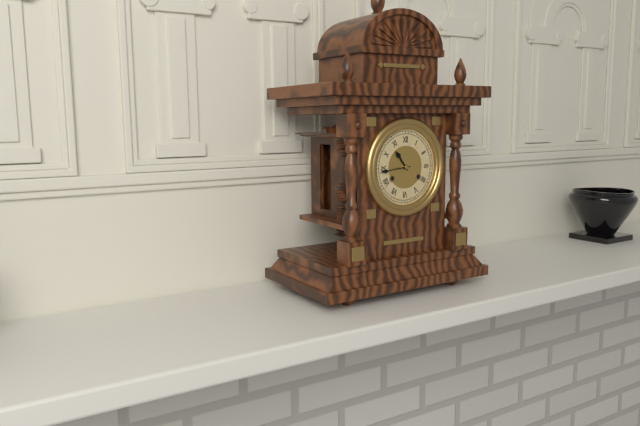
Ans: 10:44
